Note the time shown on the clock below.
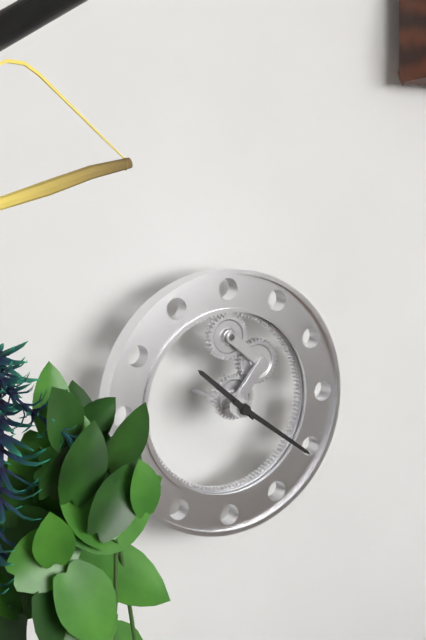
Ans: 10:21
